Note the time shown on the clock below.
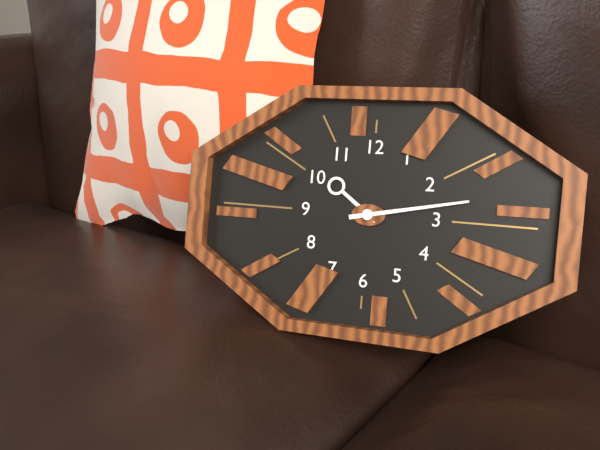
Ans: 10:13
